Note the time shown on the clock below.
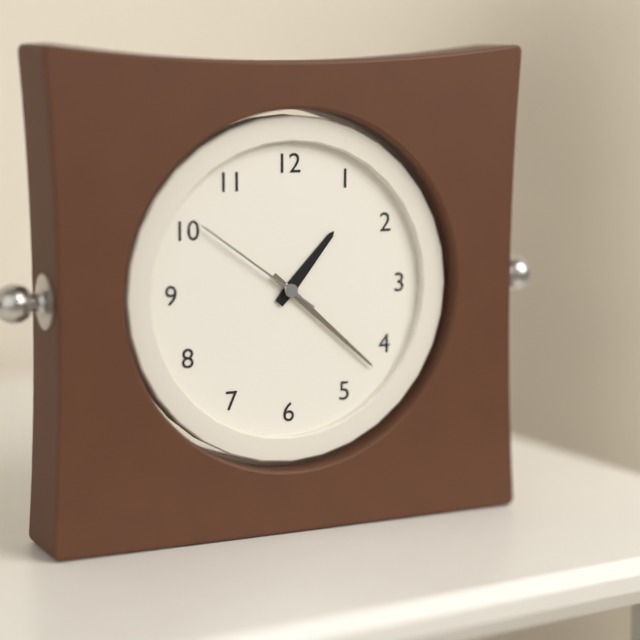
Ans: 1:22:51
